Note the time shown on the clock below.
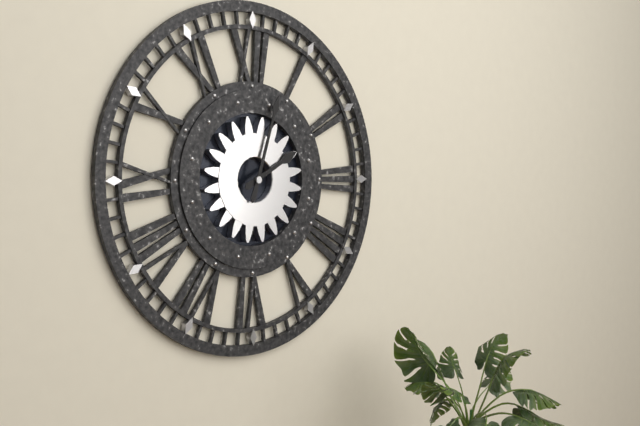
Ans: 2:03
